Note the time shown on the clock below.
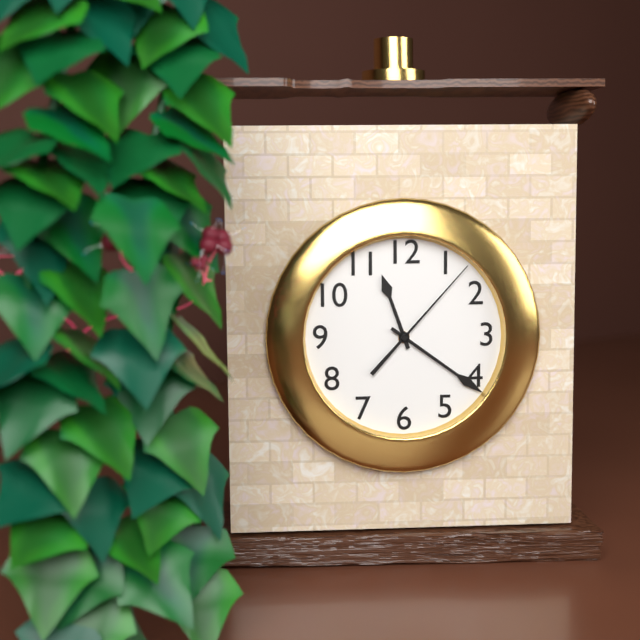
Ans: 11:21:07
